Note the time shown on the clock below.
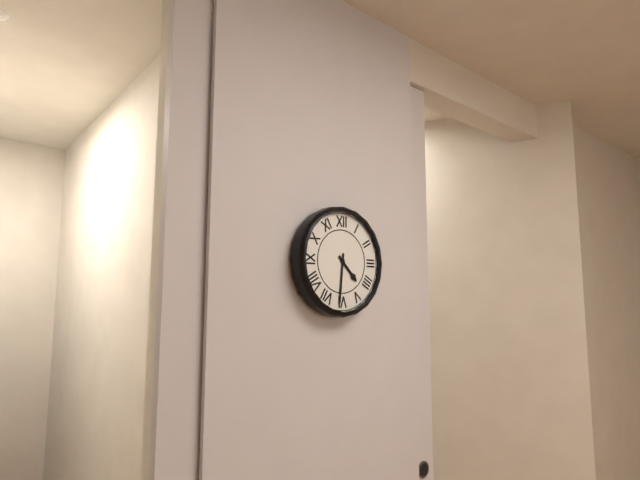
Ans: 4:31
